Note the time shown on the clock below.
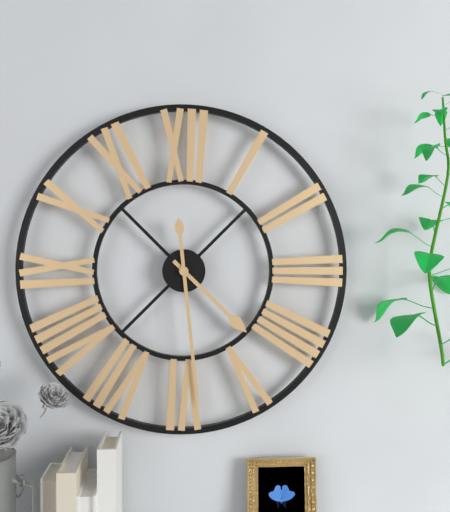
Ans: 4:29
